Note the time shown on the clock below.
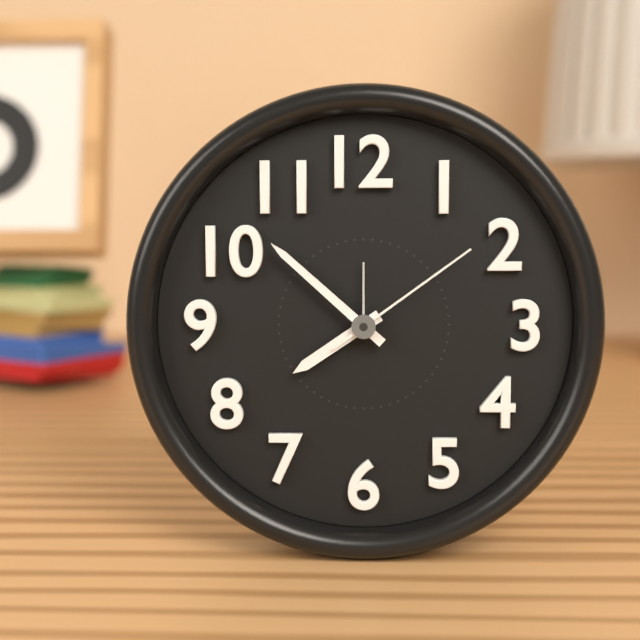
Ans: 7:52:09
